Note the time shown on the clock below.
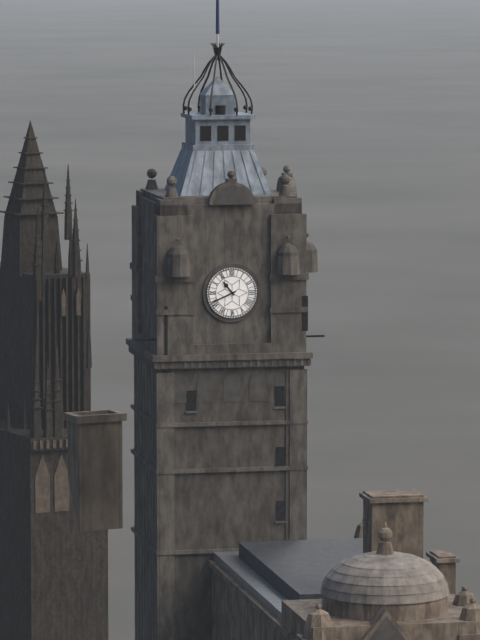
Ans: 10:41
